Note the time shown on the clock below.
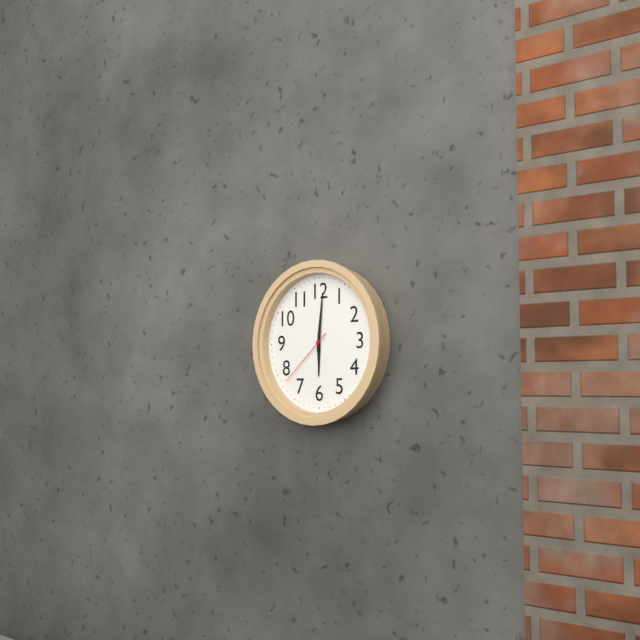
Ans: 6:01:38
